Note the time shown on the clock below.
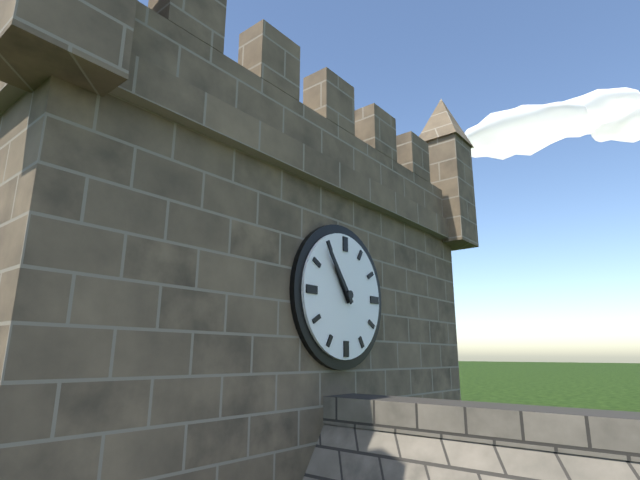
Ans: 10:54
